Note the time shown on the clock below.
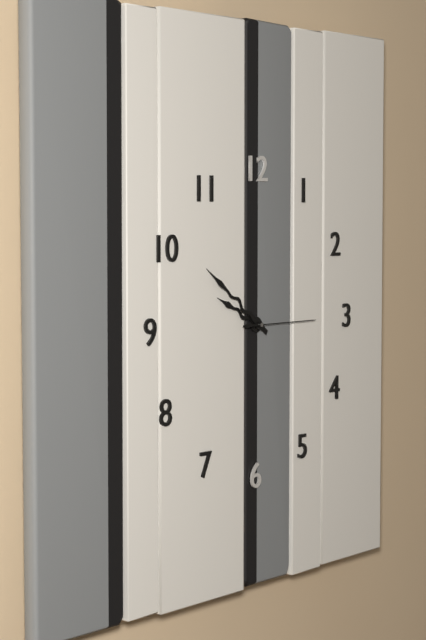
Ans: 9:51:15
